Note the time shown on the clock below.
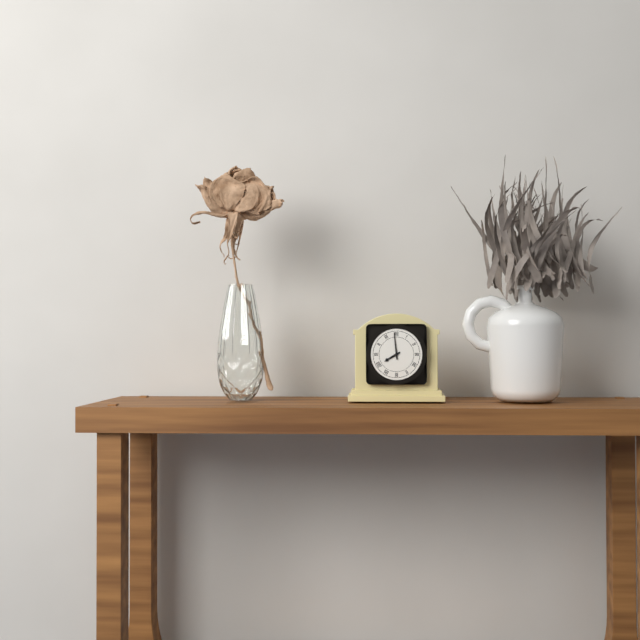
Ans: 7:59
